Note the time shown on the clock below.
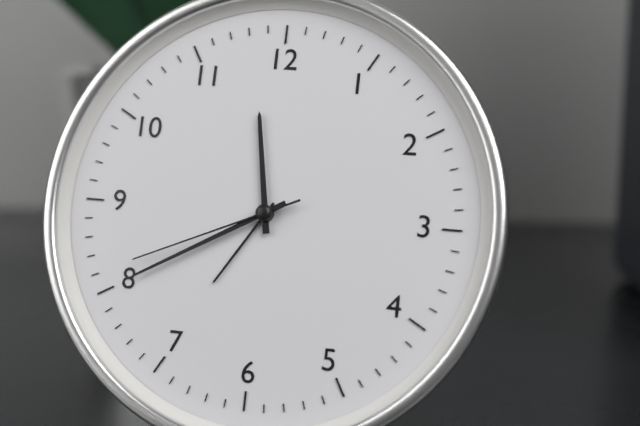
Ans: 11:40:41
